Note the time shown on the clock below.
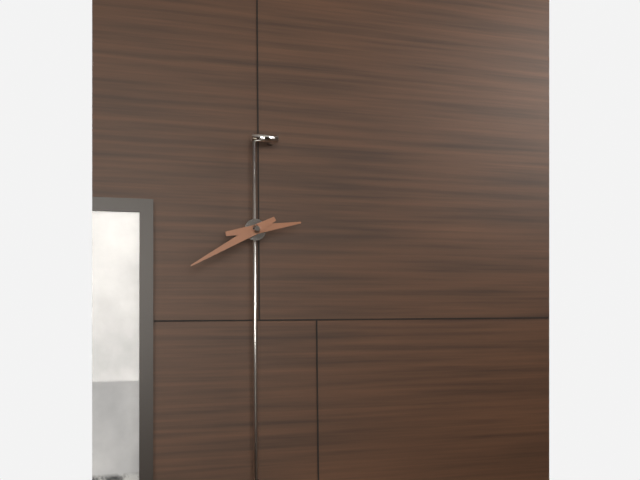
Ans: 2:40
